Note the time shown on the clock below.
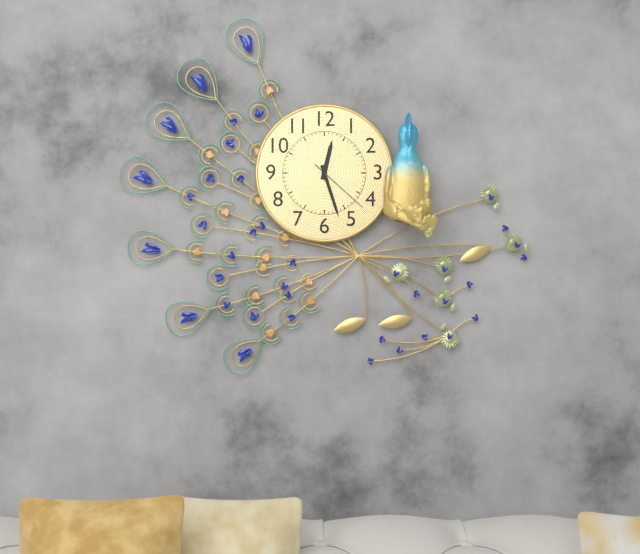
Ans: 12:27:22
